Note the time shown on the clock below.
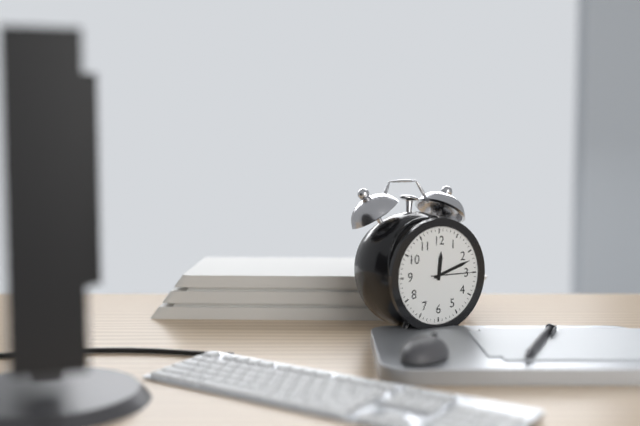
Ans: 12:12
